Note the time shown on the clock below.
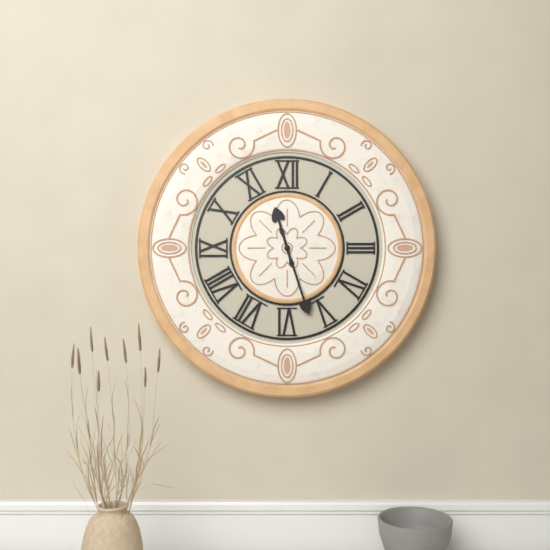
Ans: 11:27
